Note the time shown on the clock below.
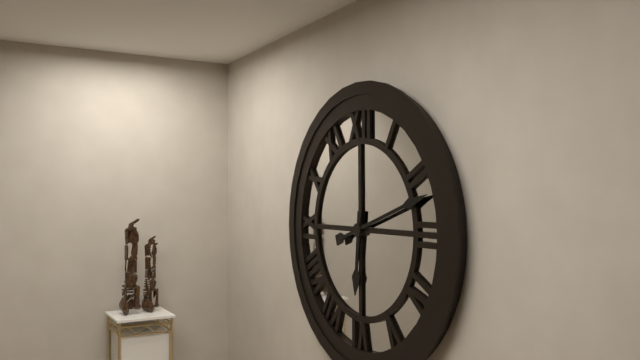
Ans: 6:12
